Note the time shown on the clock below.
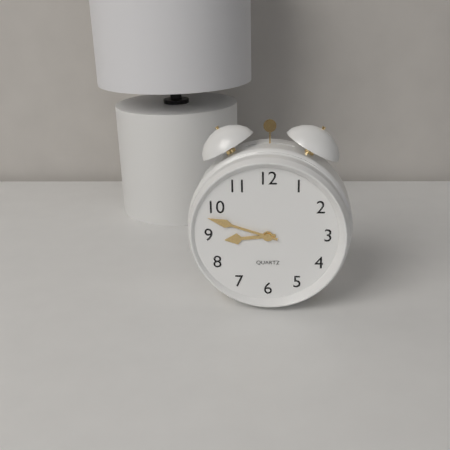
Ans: 8:48
